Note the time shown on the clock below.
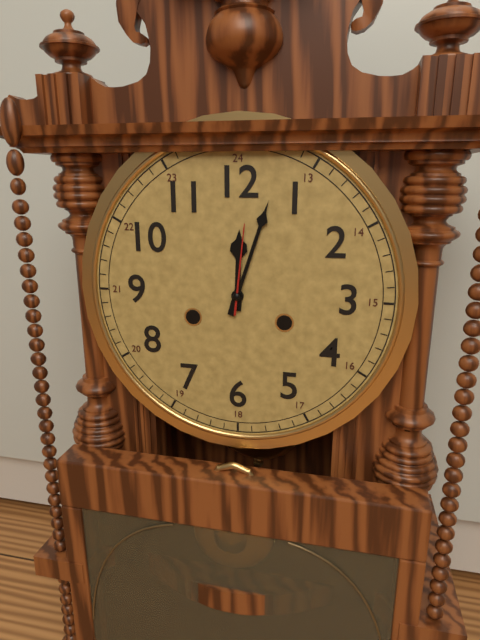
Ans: 12:03:01
